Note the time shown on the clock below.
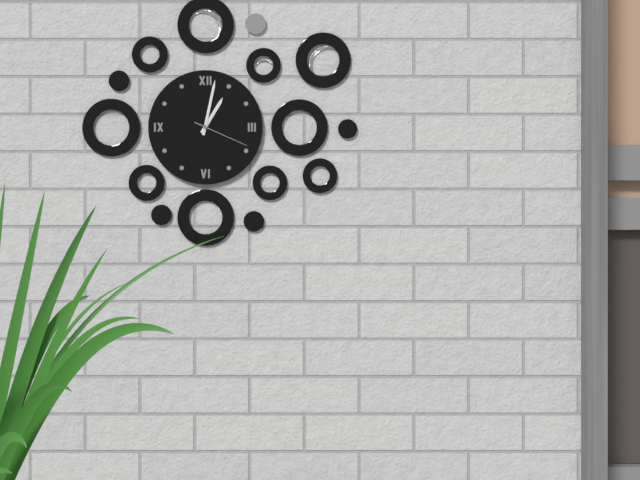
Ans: 1:02:19
